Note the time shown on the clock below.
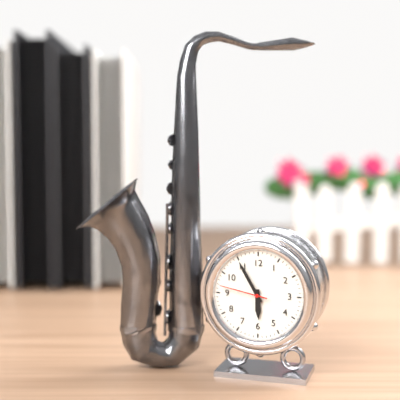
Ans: 5:55
